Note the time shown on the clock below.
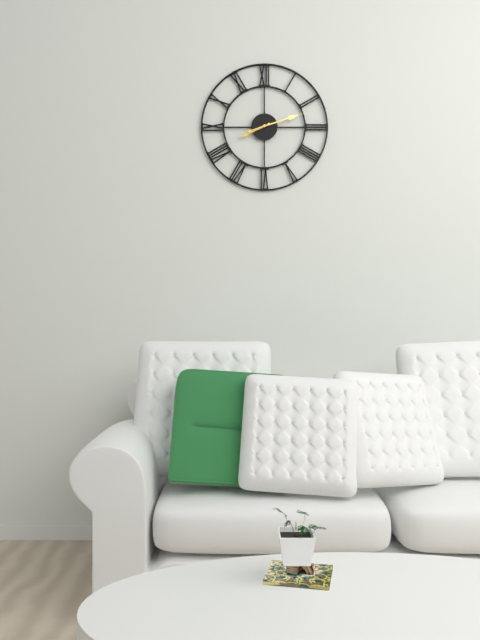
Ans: 8:12
